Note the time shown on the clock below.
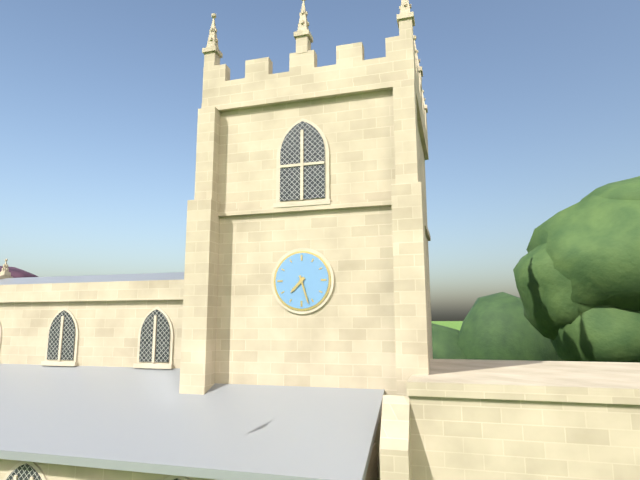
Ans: 7:27
